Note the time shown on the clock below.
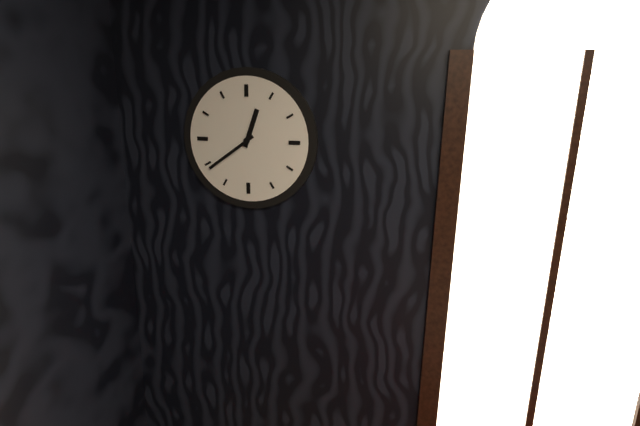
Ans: 12:39
